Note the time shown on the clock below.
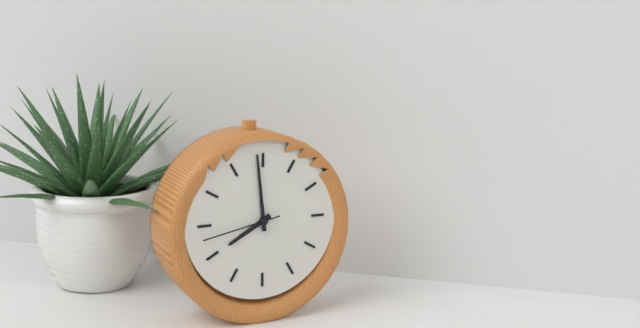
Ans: 7:59:43
